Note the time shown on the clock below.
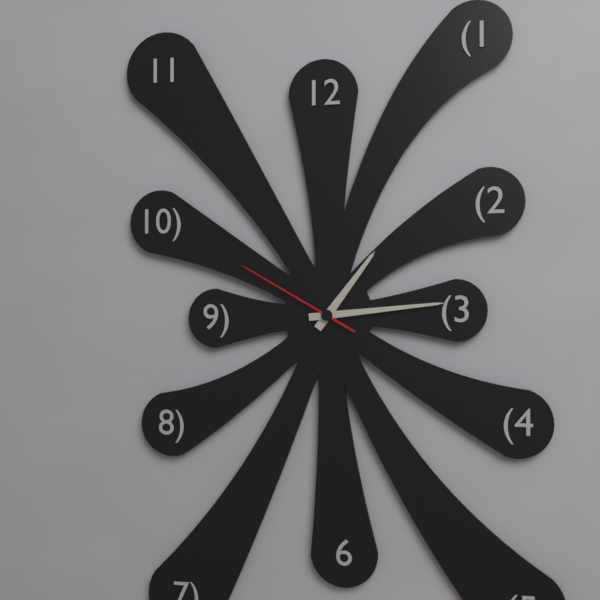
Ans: 1:14:50
